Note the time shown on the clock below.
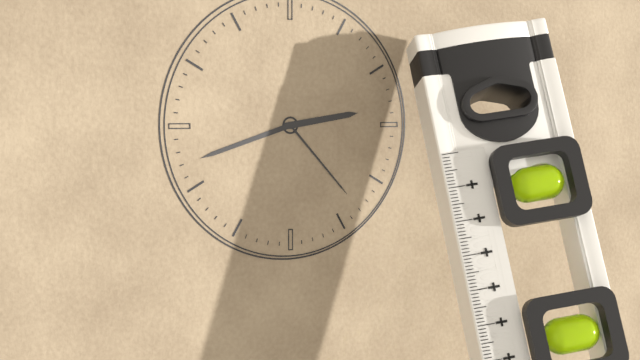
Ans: 2:42:23
